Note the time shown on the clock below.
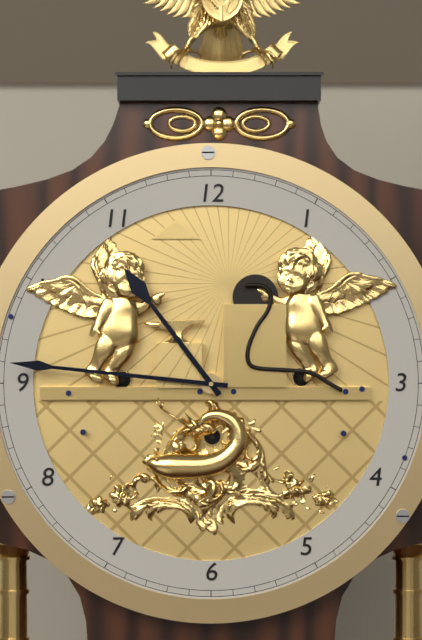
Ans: 10:46
